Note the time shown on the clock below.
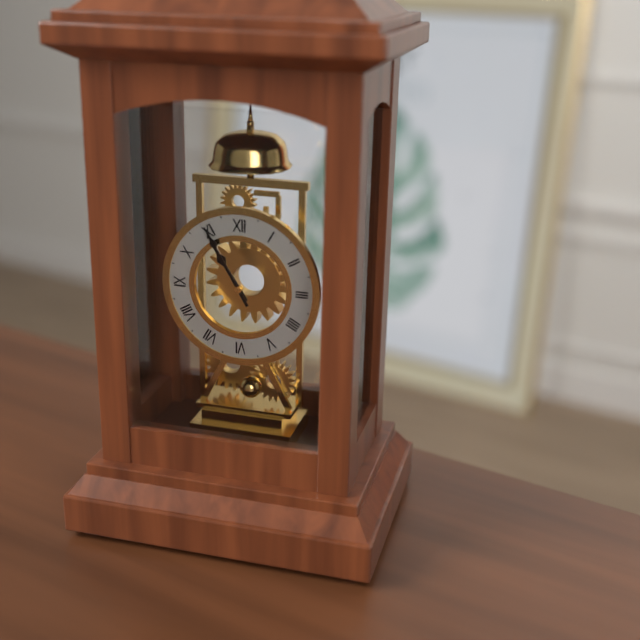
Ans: 10:55
